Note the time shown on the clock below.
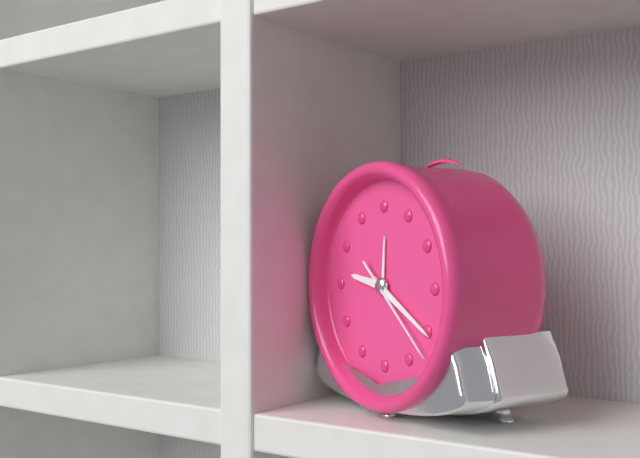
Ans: 9:20:22
